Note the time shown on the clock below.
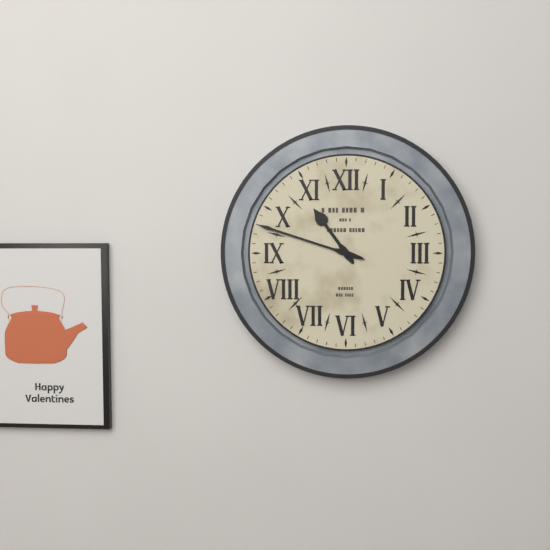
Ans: 10:48
